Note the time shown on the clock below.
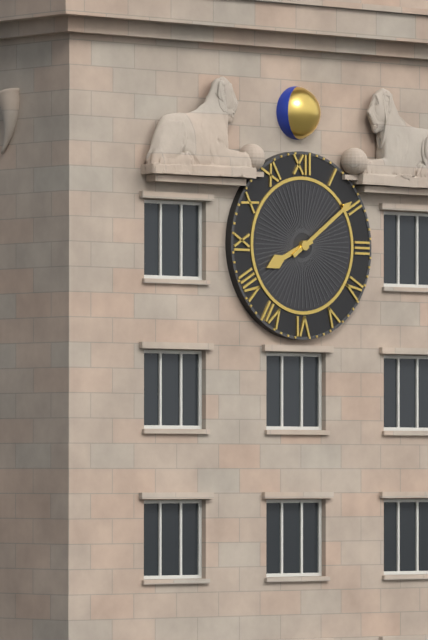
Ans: 8:09
